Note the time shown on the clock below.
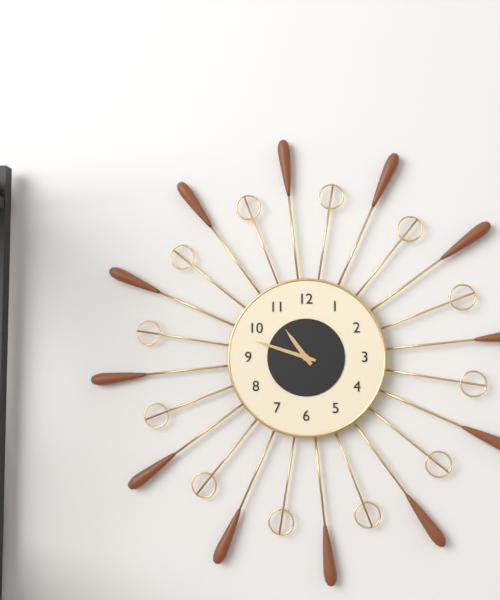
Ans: 10:48
